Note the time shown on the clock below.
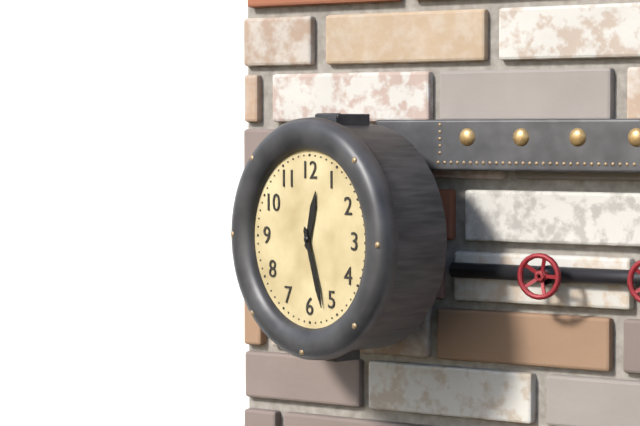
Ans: 12:27
